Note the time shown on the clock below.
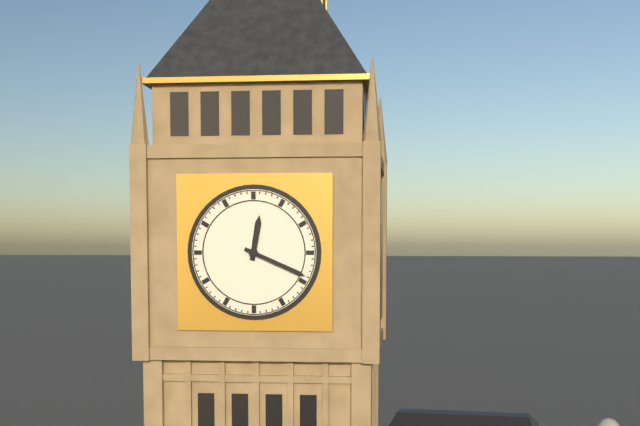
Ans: 12:19
